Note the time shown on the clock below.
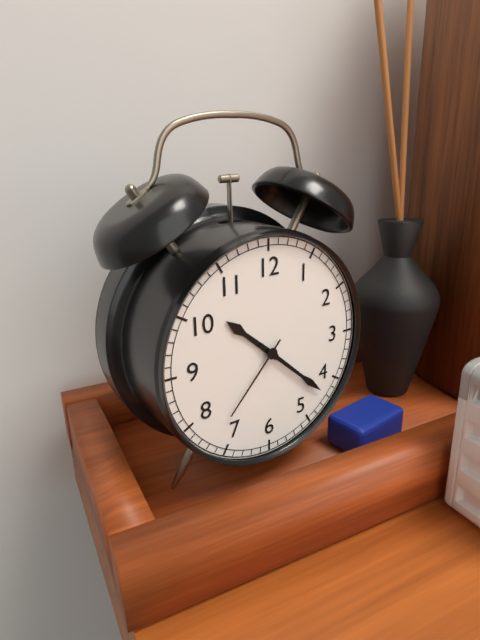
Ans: 10:22:37
